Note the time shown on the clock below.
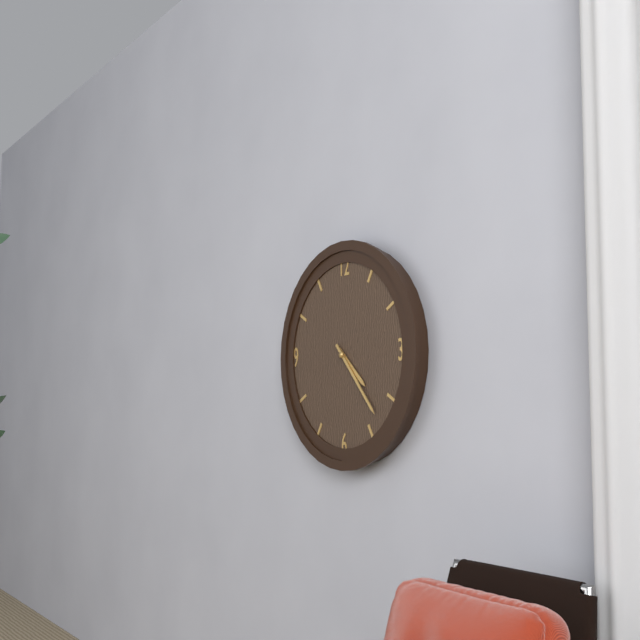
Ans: 4:23
